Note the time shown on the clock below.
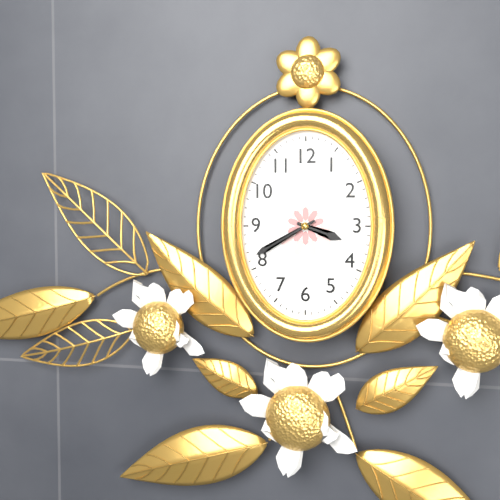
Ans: 3:40
